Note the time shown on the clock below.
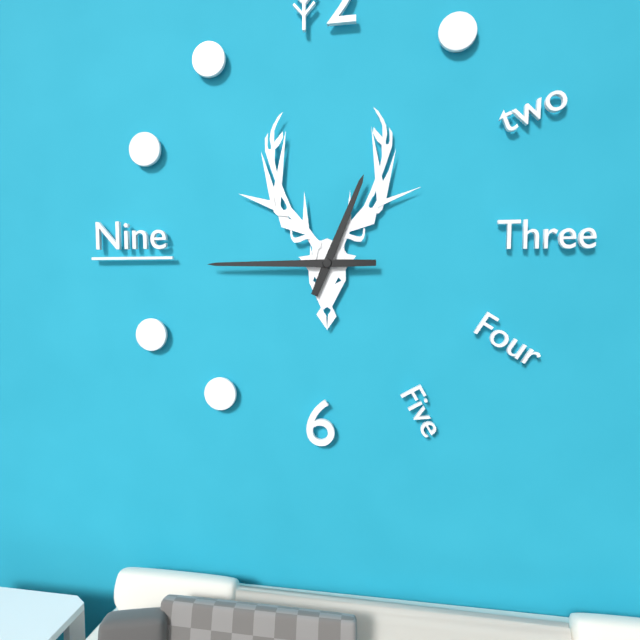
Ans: 12:45
